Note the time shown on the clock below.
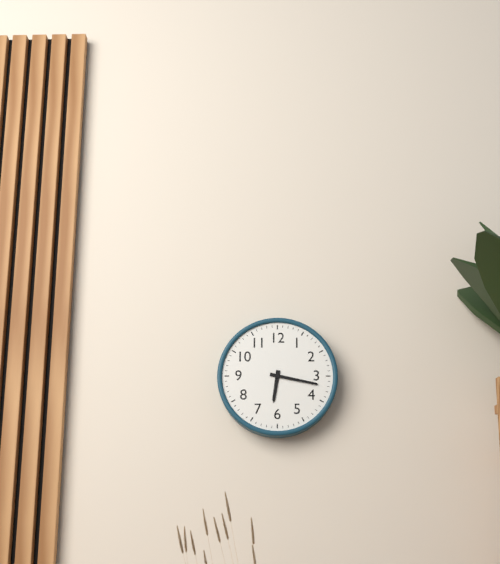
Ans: 6:17
